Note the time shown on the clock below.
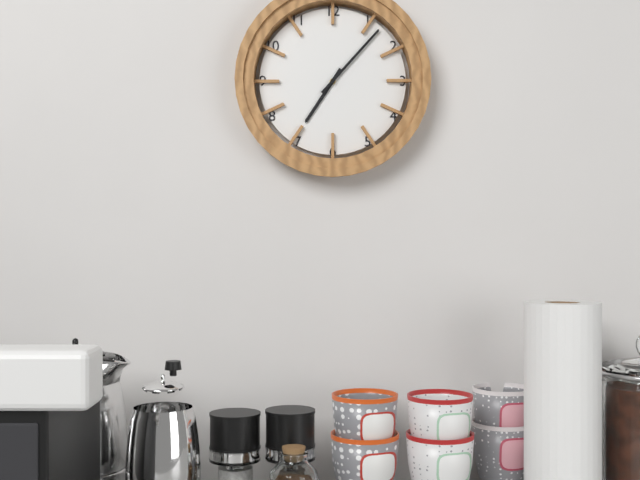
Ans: 7:07
